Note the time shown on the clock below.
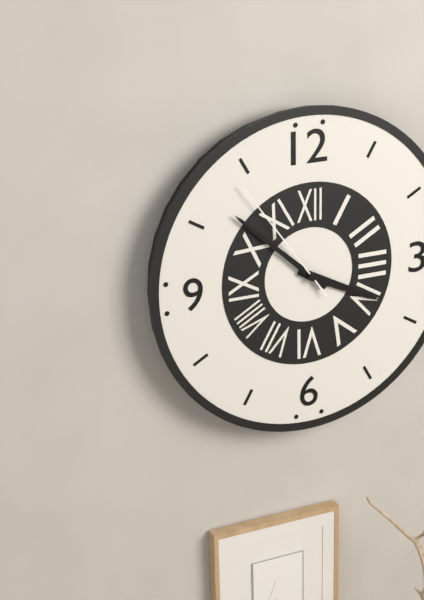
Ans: 3:52:54
